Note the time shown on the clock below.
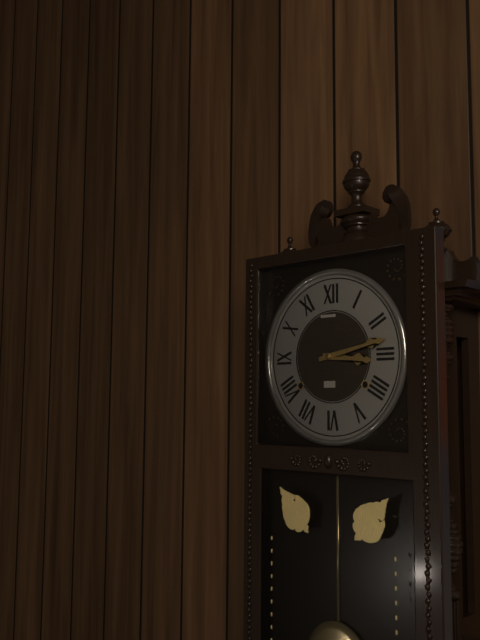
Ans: 3:13
